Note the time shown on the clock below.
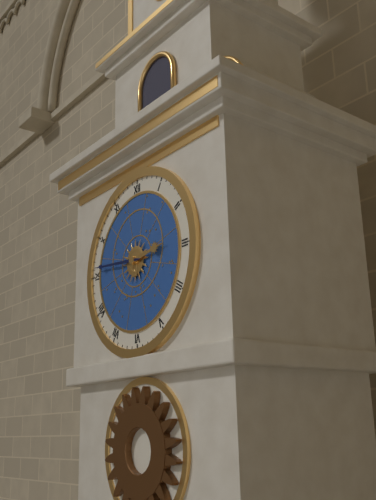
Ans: 2:46
